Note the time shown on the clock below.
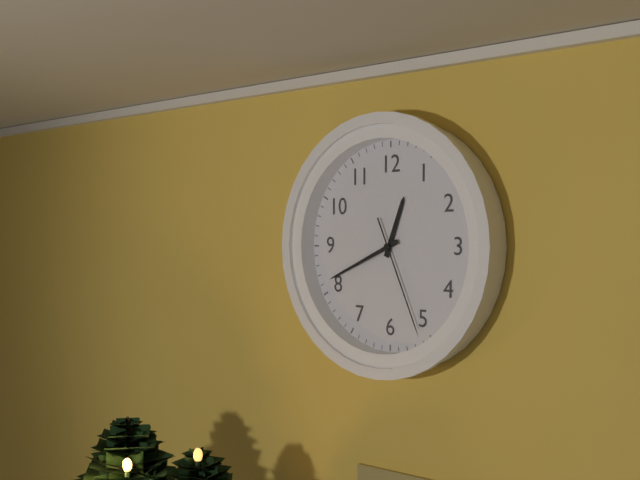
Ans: 12:41:26
